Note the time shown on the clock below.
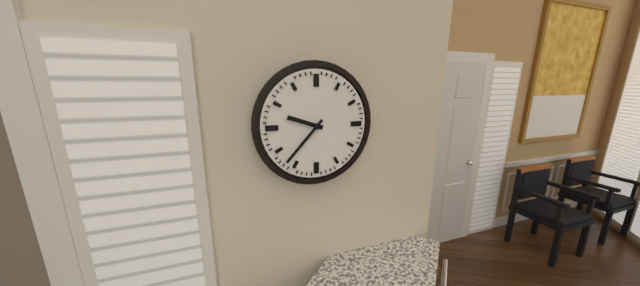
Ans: 9:37
